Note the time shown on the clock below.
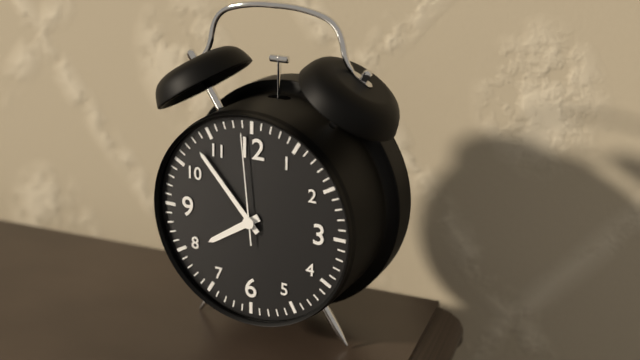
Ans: 7:53:59
